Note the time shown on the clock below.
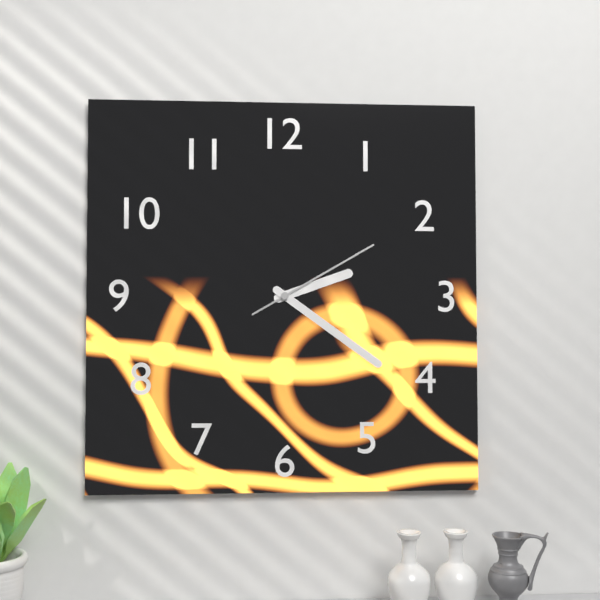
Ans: 2:21:10
